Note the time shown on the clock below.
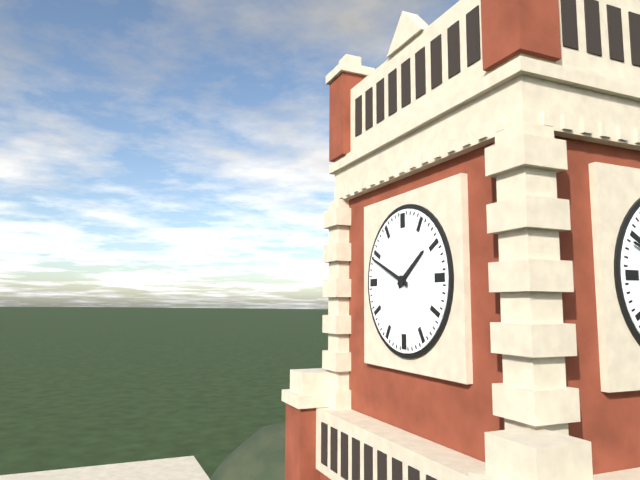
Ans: 1:49
